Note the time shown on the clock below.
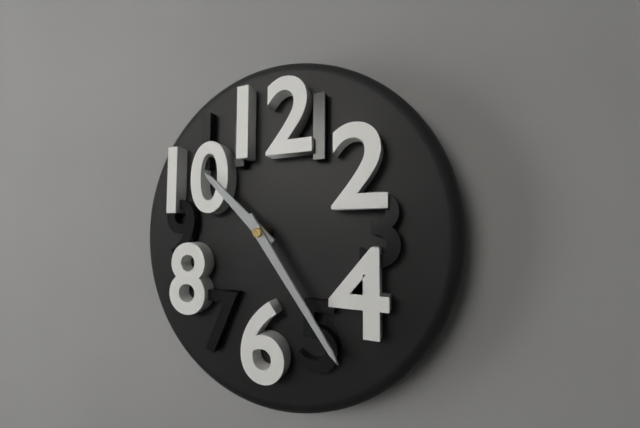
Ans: 10:24
